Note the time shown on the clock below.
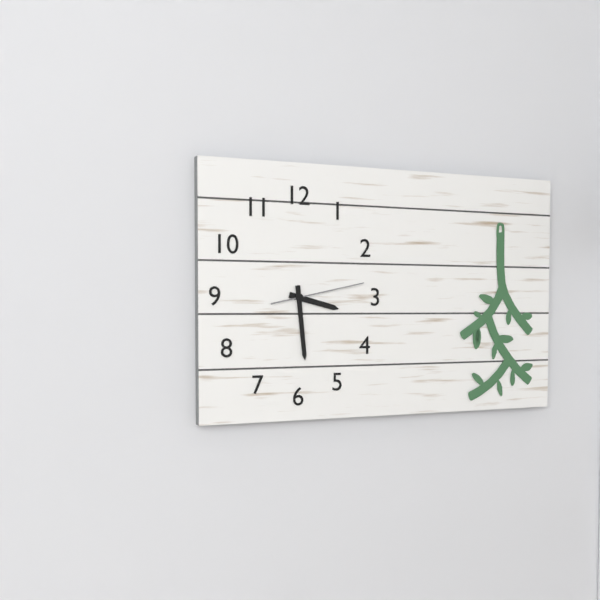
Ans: 3:29:13
